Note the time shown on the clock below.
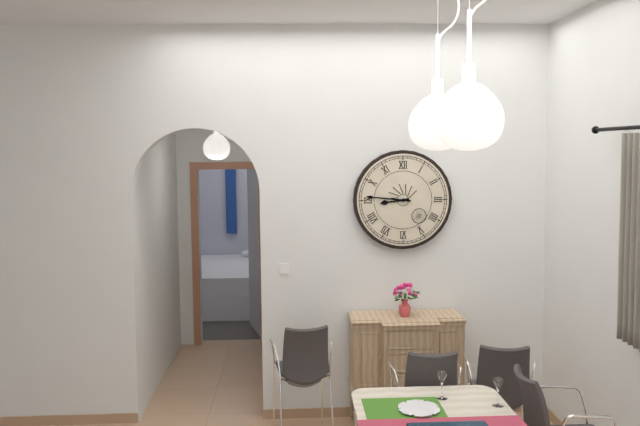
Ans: 8:46
